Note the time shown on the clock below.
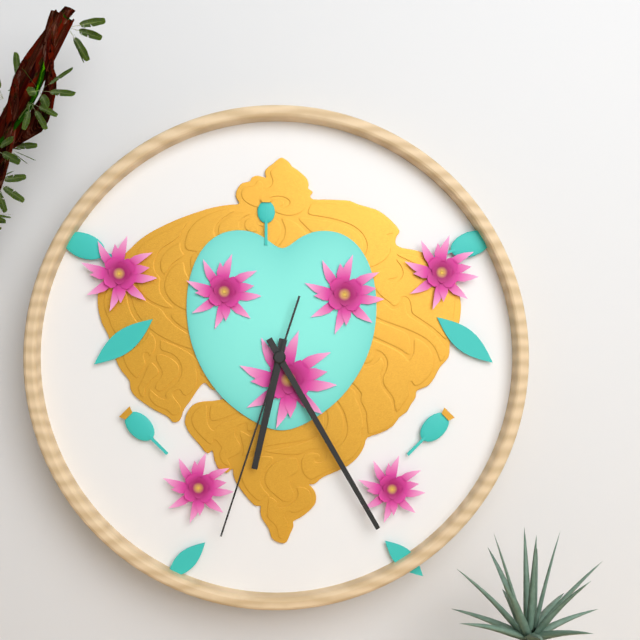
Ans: 6:25:33
